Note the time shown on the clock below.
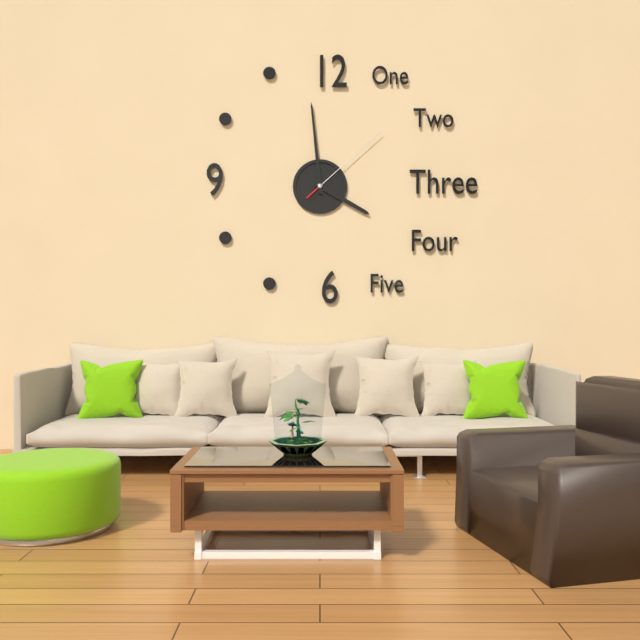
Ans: 3:59:08
